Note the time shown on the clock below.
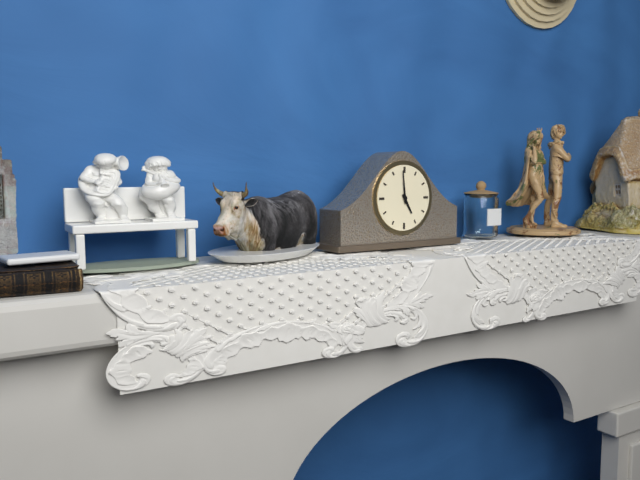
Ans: 4:59
